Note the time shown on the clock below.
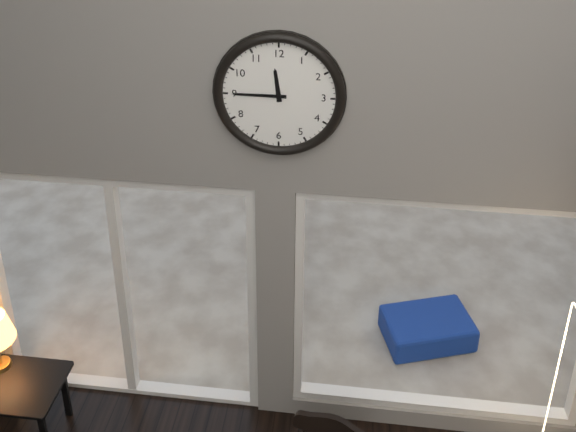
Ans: 11:45
